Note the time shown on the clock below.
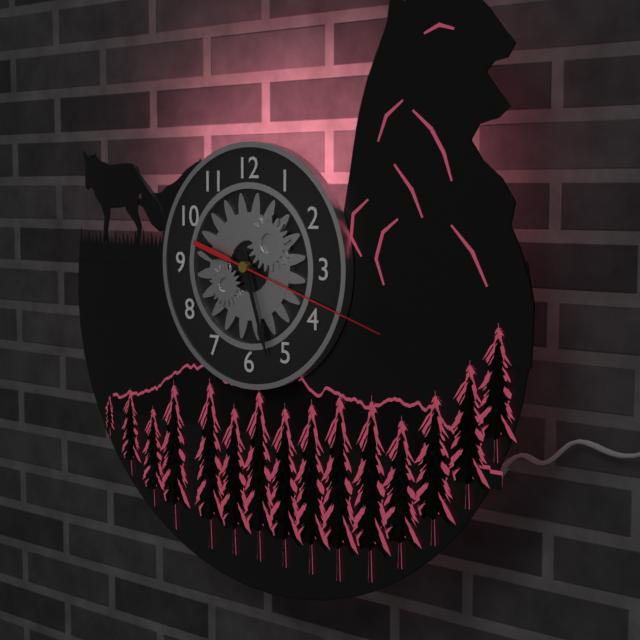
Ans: 9:27:18
